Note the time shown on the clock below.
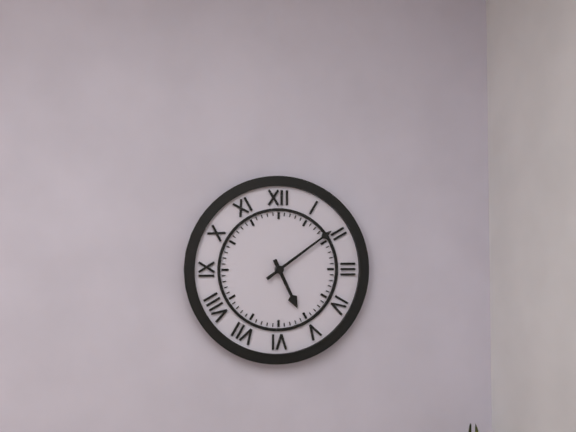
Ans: 5:09
